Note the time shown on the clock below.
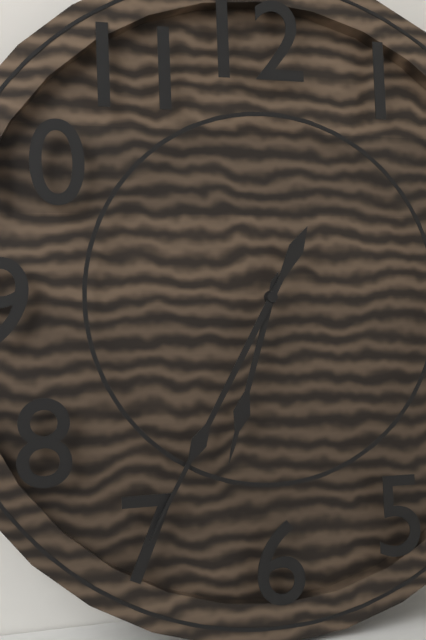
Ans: 6:35
